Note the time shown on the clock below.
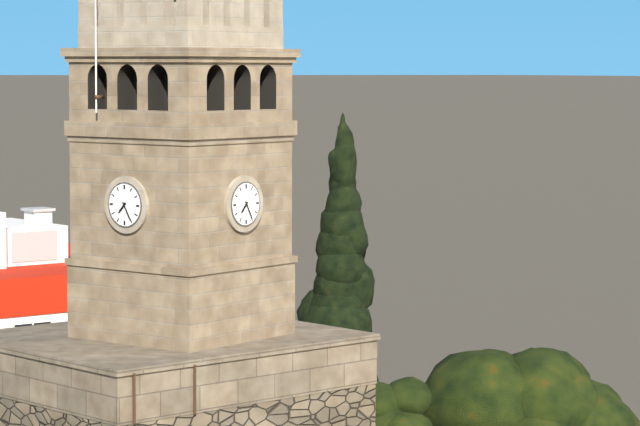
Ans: 7:25
